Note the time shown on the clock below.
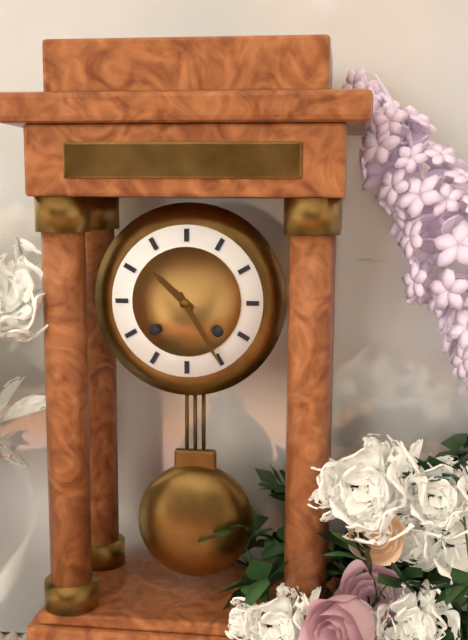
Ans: 10:25
